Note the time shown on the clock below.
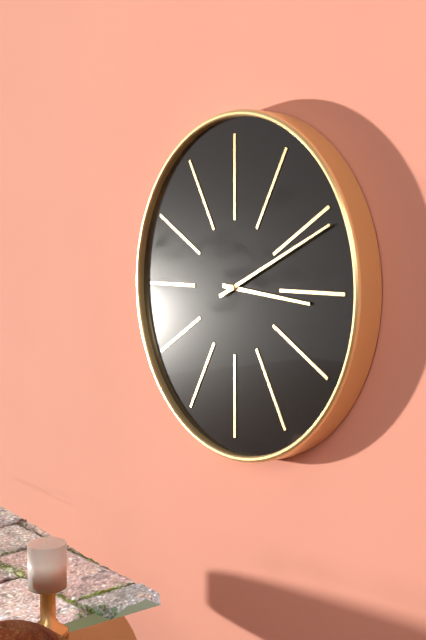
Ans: 3:11
